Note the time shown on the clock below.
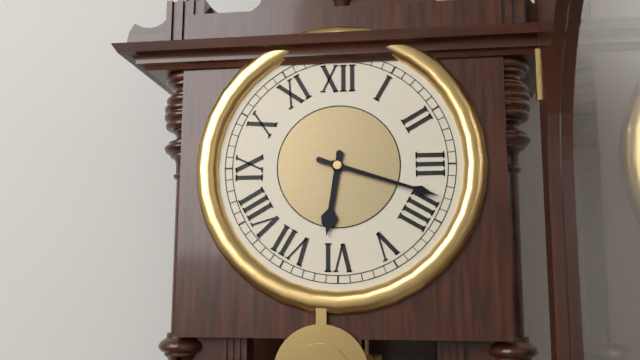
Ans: 6:18
